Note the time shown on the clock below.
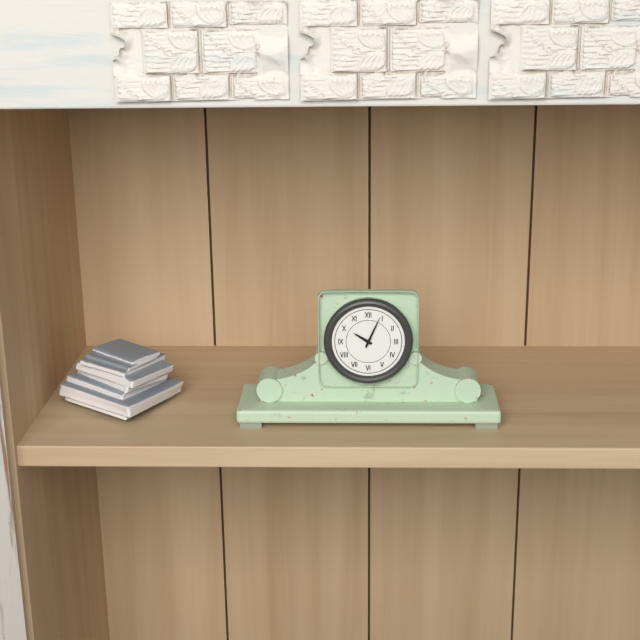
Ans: 10:04
